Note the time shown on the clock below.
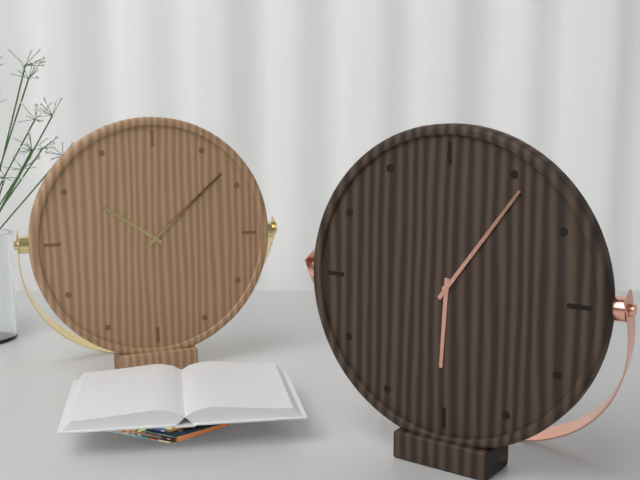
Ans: 6:06
